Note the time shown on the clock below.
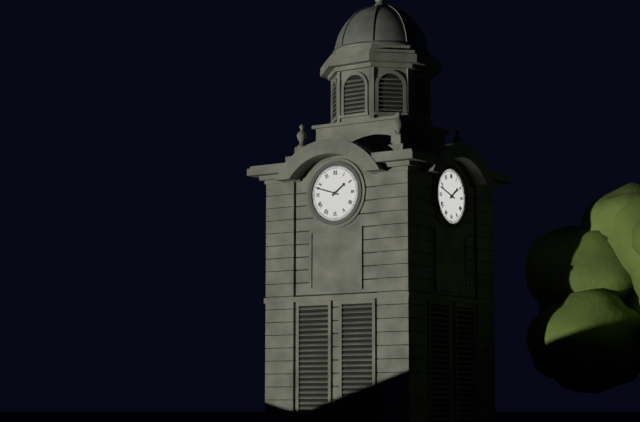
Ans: 1:48
